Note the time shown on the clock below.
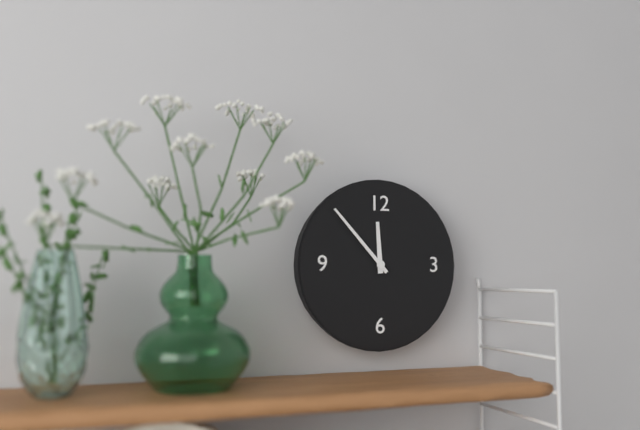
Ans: 11:53
